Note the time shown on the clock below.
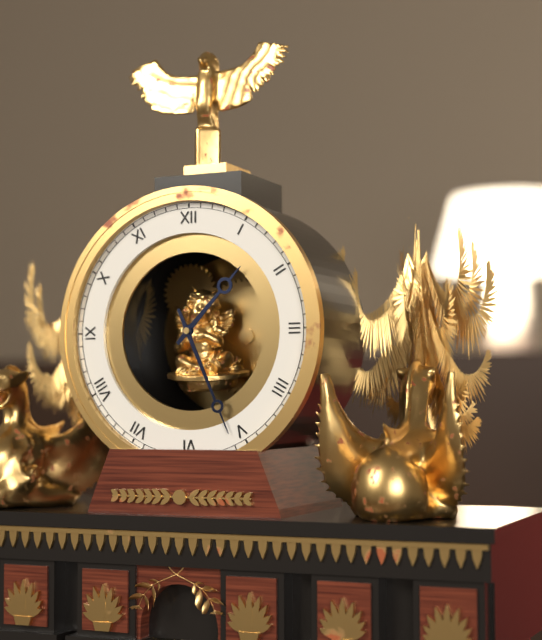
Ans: 1:26
